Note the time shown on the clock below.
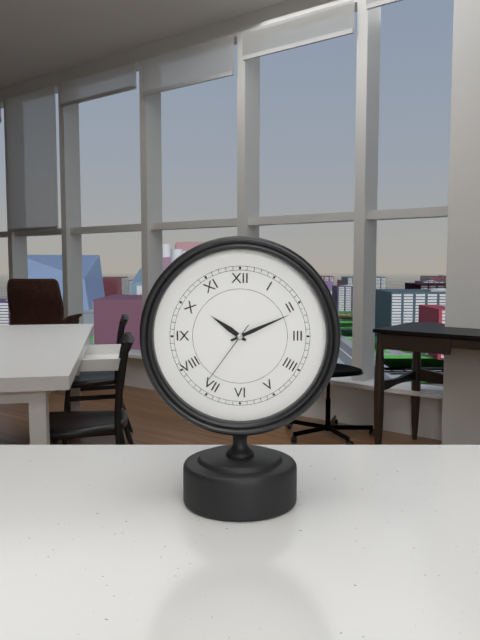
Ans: 10:11:36
